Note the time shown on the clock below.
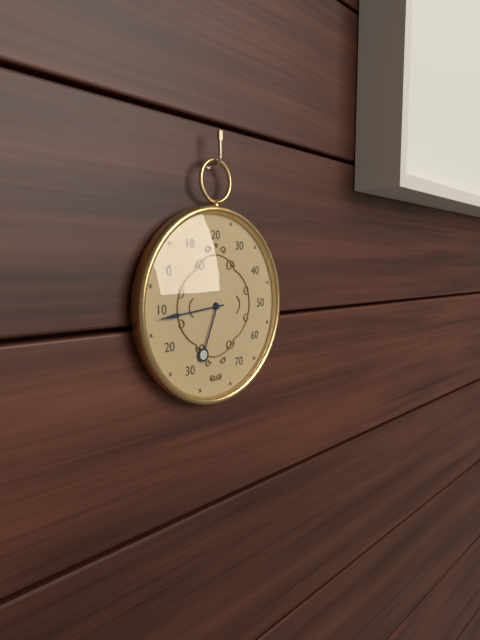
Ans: 6:44
